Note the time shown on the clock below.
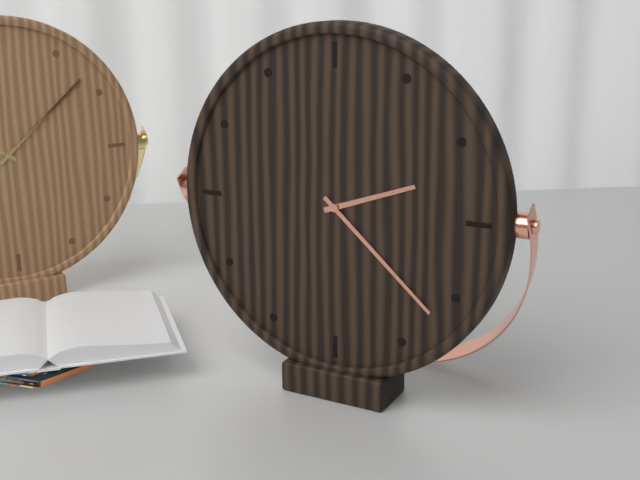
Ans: 2:22
